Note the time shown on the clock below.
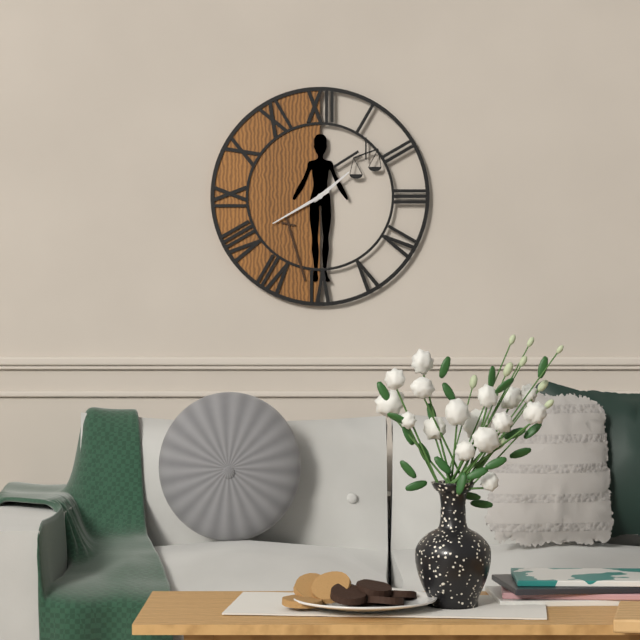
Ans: 1:40
